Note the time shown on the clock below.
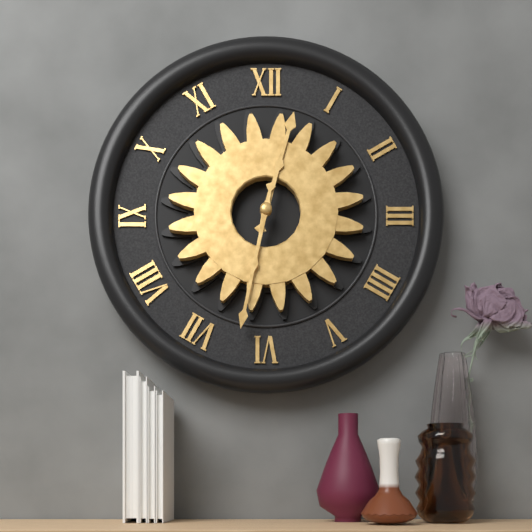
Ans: 12:32
